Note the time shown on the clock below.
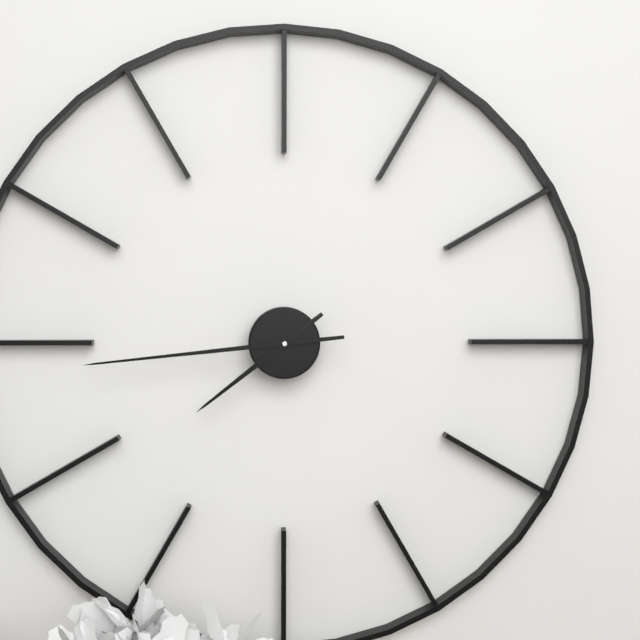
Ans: 7:44
